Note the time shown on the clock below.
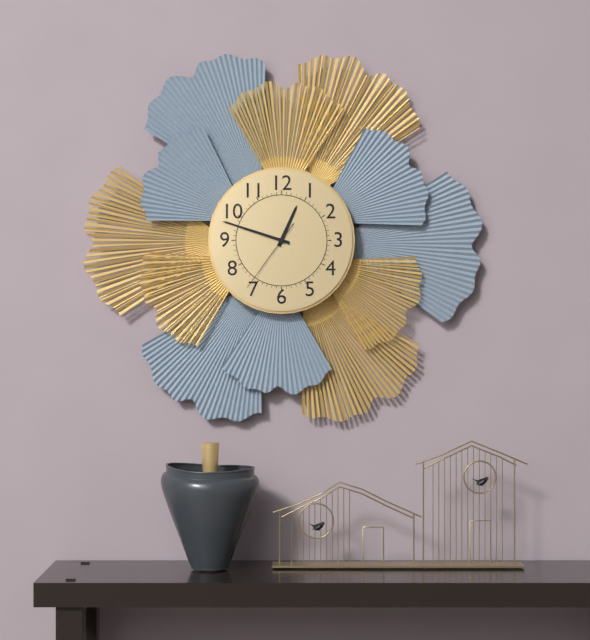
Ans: 12:48:36
